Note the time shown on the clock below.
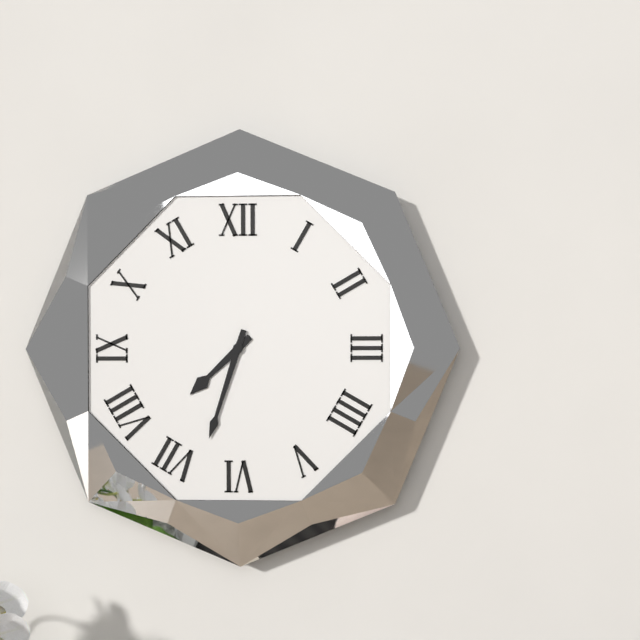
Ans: 7:33
